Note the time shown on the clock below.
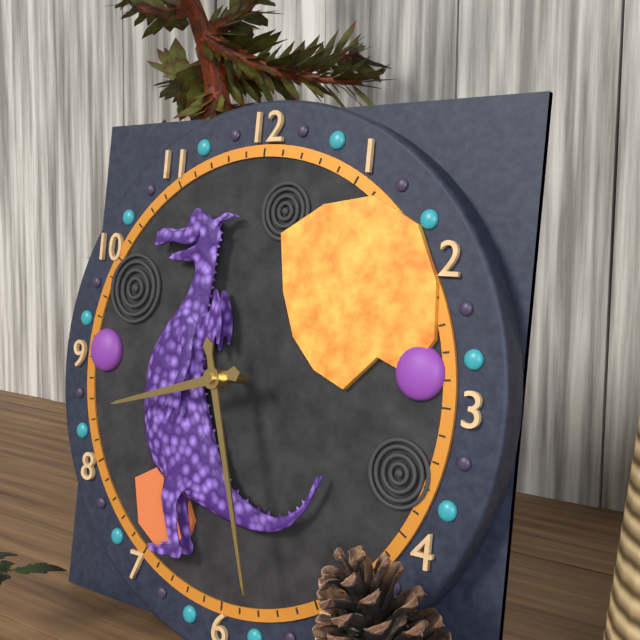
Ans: 8:27
